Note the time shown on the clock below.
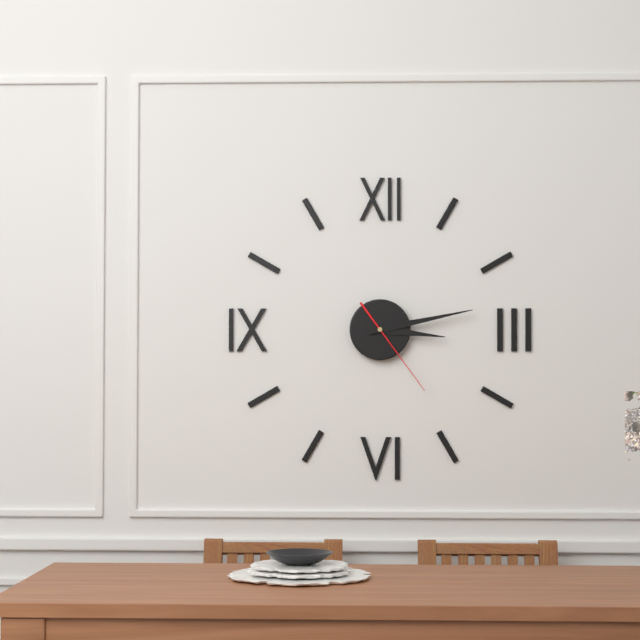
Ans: 3:13:24
